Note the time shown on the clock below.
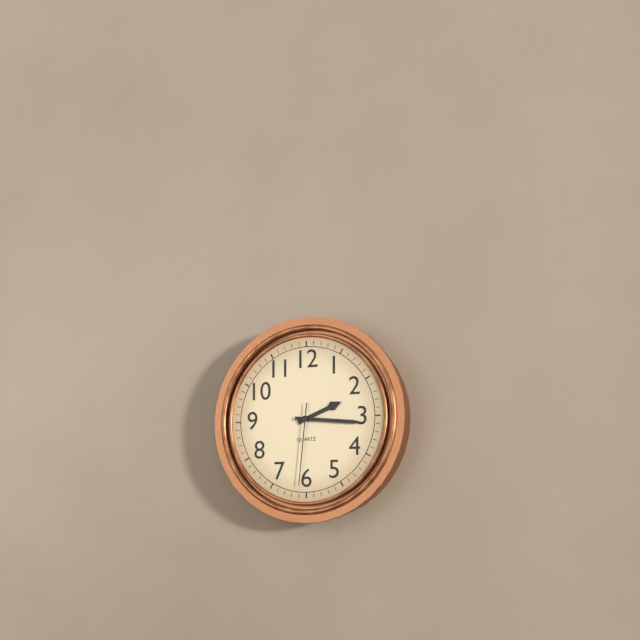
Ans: 2:16:31
